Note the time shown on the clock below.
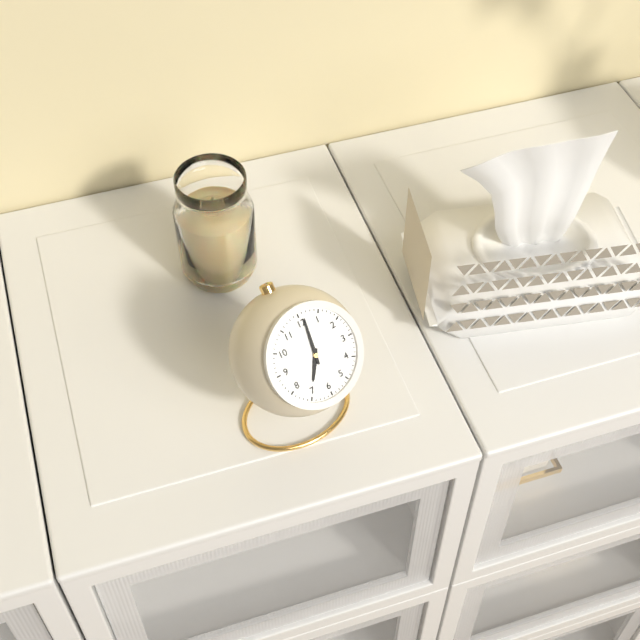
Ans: 7:01
